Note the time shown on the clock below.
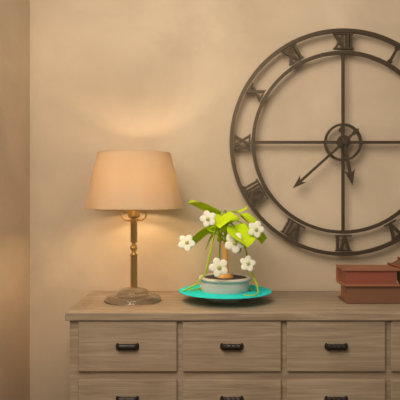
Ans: 5:38
